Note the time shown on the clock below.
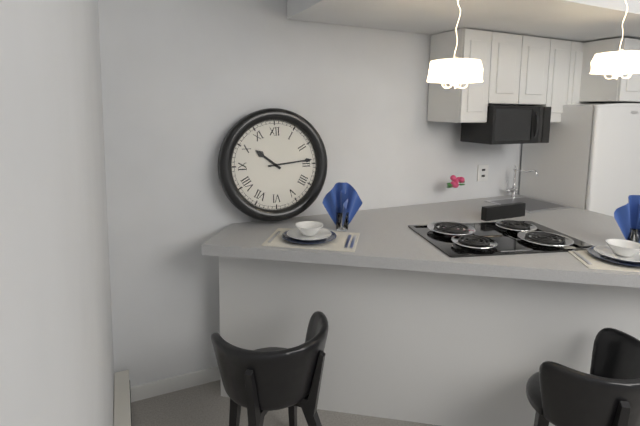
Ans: 10:14
